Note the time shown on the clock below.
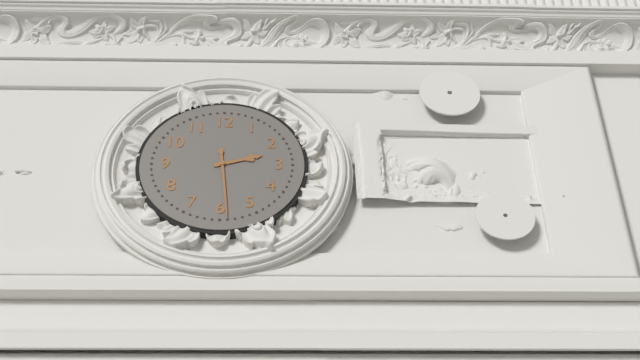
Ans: 2:29
